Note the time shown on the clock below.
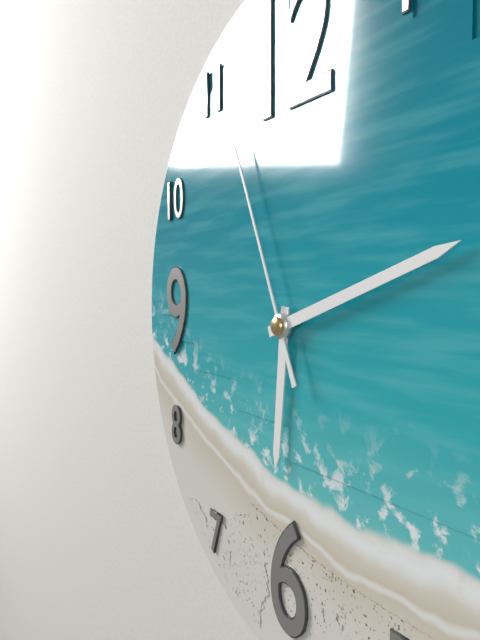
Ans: 6:12:56
